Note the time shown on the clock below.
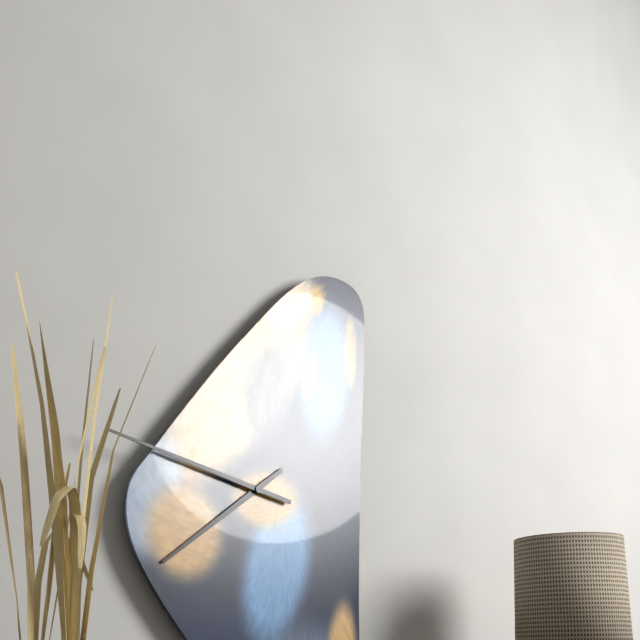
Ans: 7:47
